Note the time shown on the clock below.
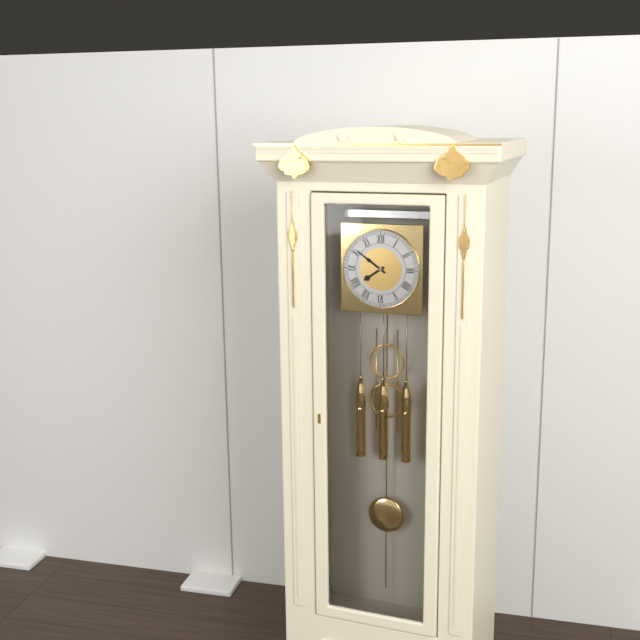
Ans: 7:51
